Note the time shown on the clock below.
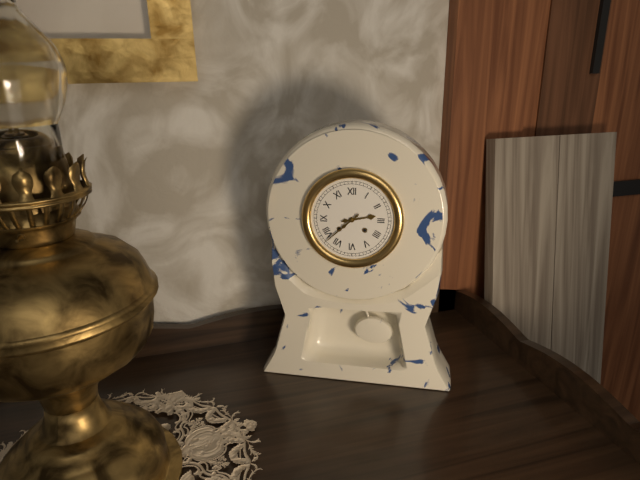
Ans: 2:38
